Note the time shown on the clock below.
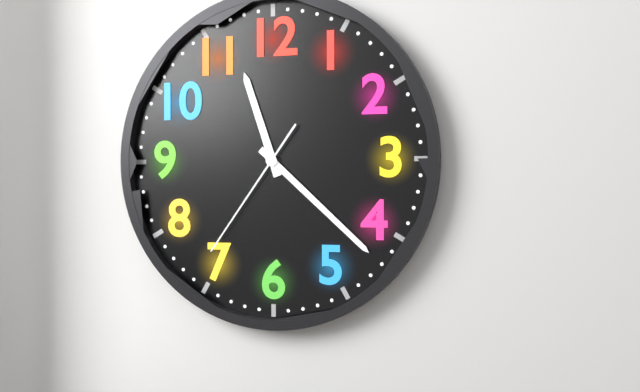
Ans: 11:22:36
